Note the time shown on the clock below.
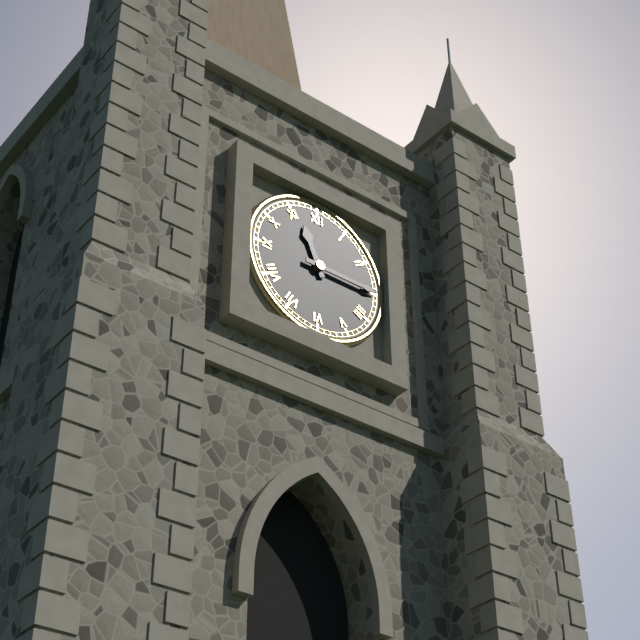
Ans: 11:15
